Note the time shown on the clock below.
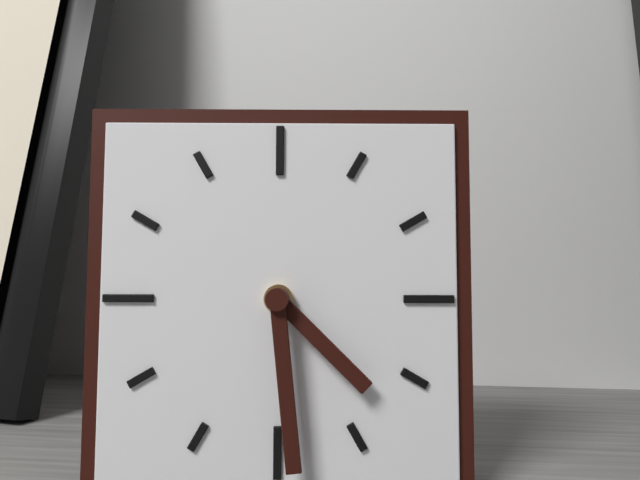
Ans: 4:29
